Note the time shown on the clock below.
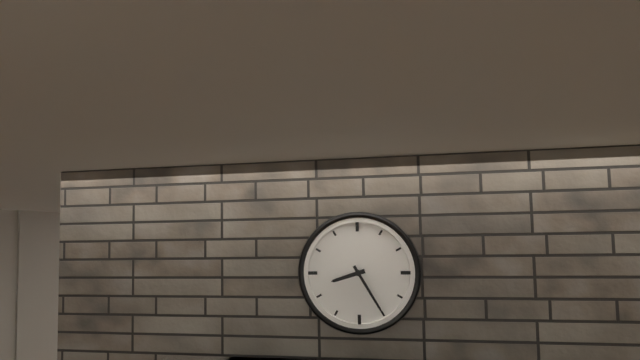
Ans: 8:25
